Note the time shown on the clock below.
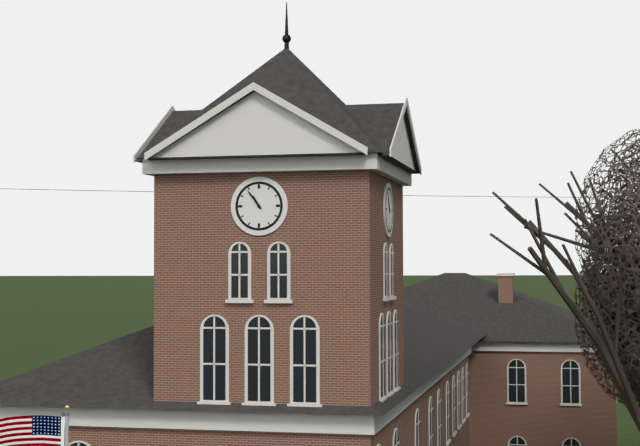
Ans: 10:54
